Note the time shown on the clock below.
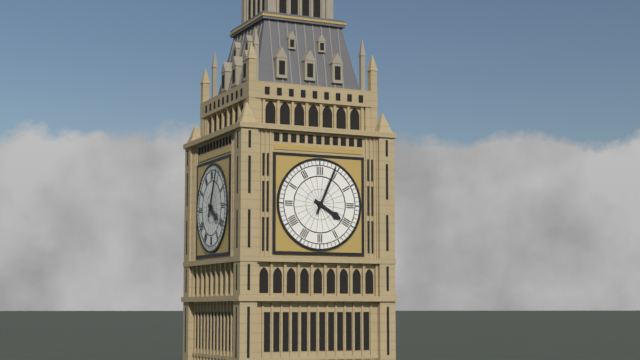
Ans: 4:04
